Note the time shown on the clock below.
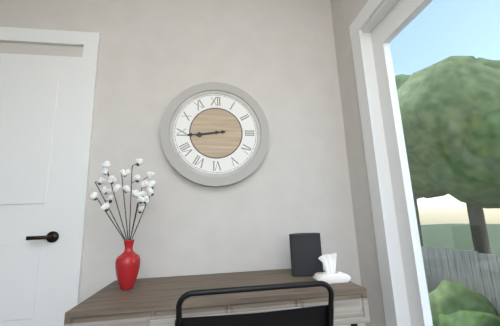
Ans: 8:44
